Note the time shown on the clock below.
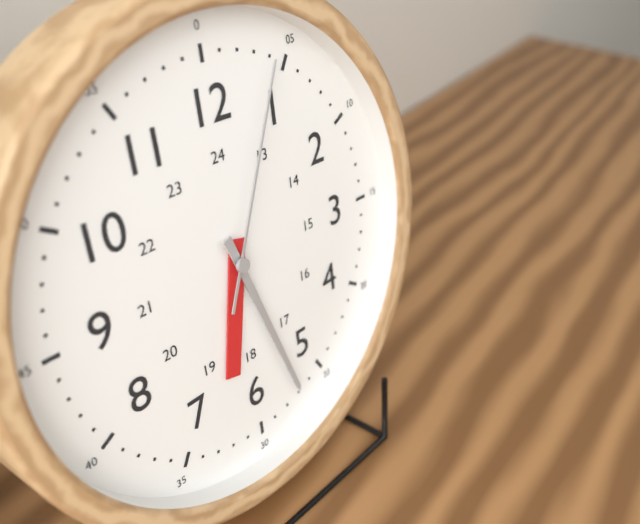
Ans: 6:27:04
